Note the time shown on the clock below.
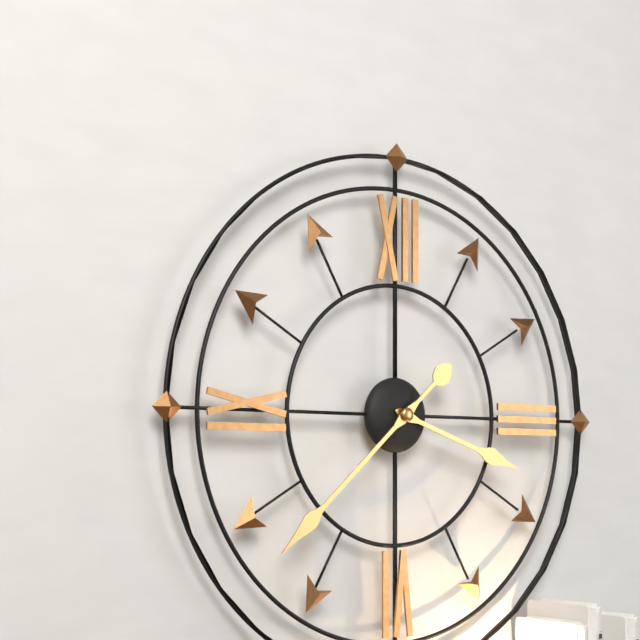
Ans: 3:38
